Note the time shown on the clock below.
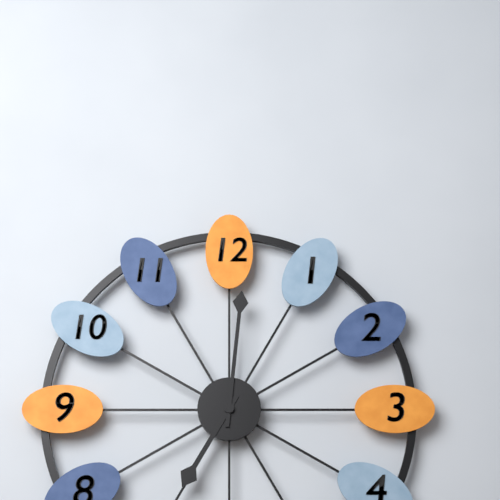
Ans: 7:01
